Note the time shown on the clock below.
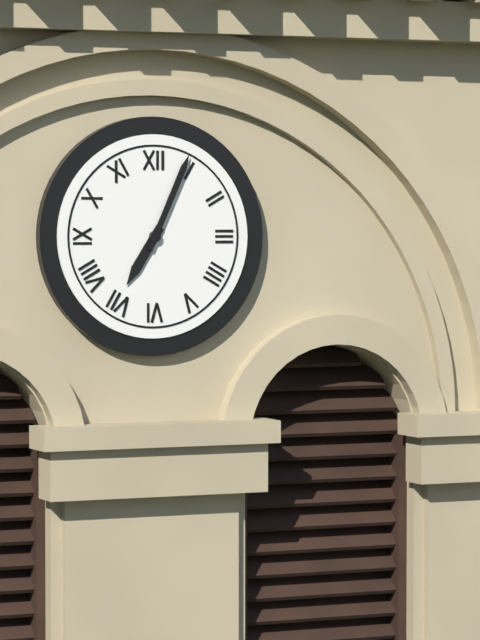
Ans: 7:04
